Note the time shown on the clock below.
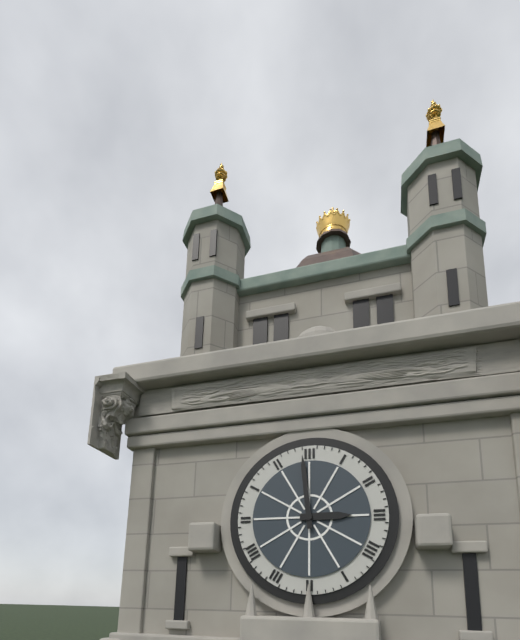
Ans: 2:59
